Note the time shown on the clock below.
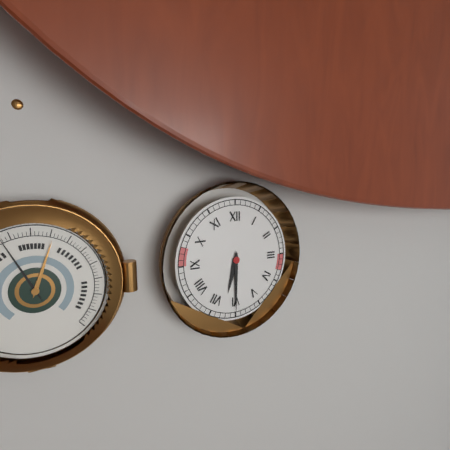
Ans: 6:30
